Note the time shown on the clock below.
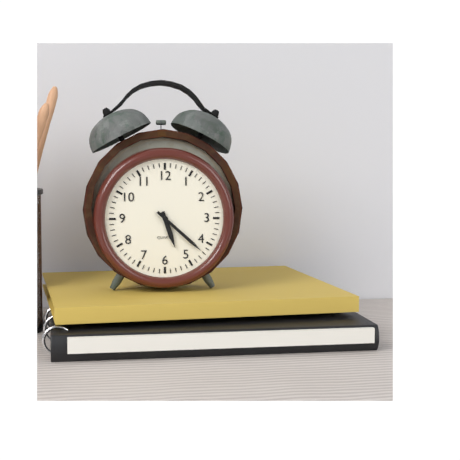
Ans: 5:22
